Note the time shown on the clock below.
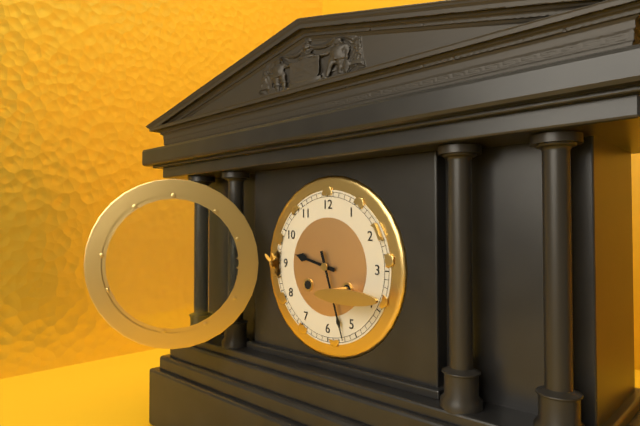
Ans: 9:27
